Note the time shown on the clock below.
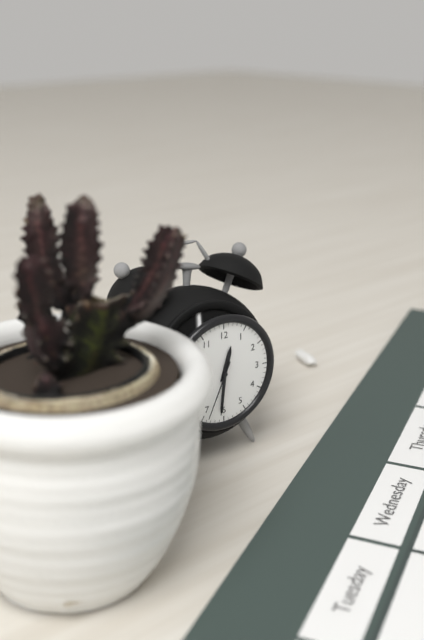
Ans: 12:31:34
